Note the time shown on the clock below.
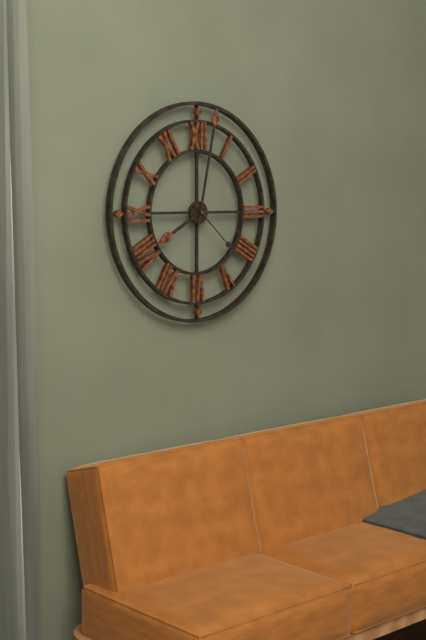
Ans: 8:02:22
